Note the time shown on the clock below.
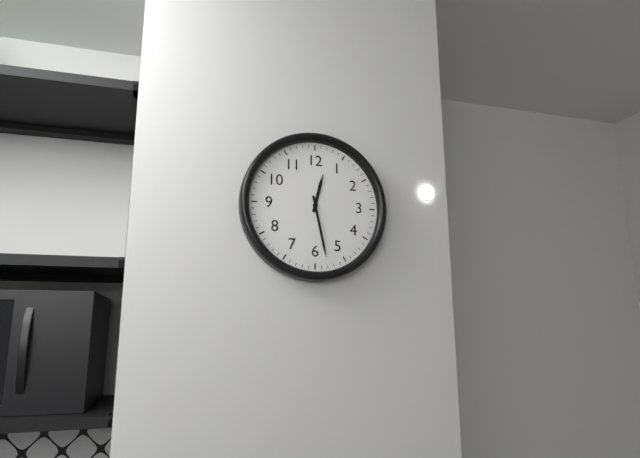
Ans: 12:28
